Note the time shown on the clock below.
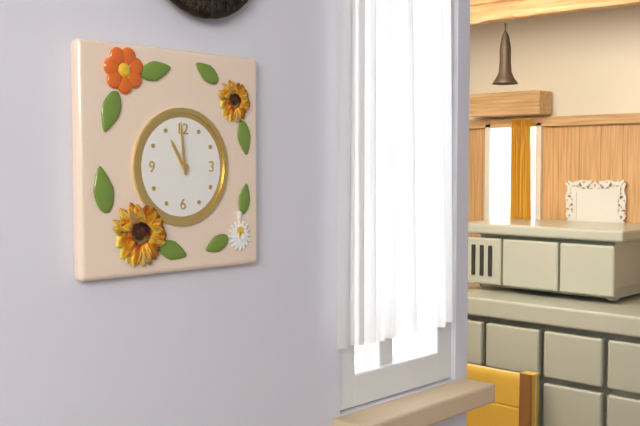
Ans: 10:59
